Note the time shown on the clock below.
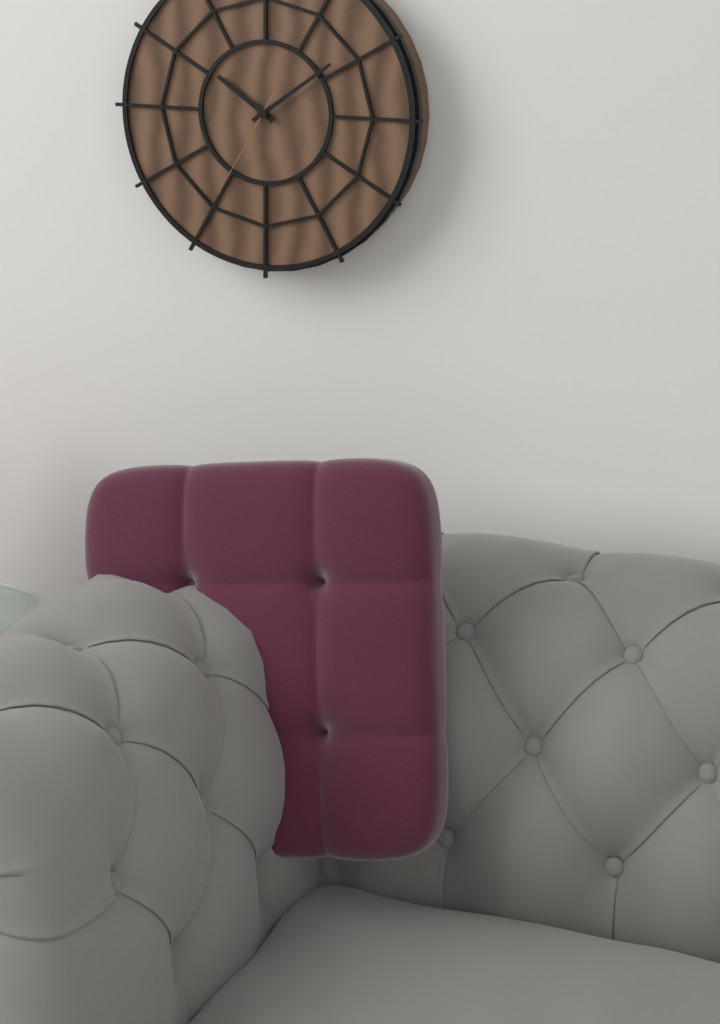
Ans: 10:09:35
